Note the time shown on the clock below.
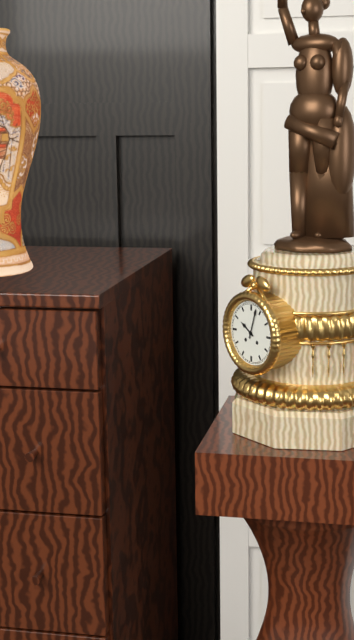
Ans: 10:03
